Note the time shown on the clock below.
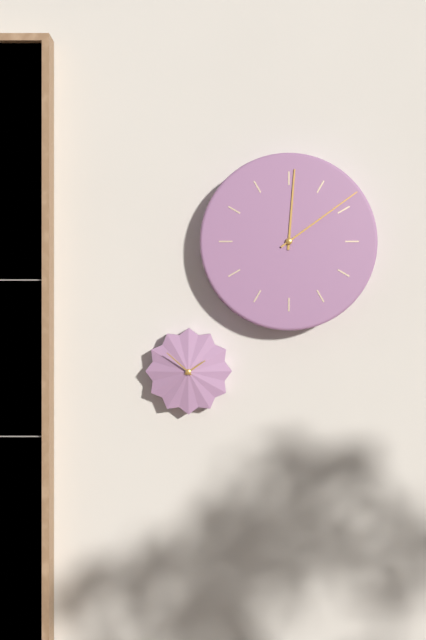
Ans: 12:09
